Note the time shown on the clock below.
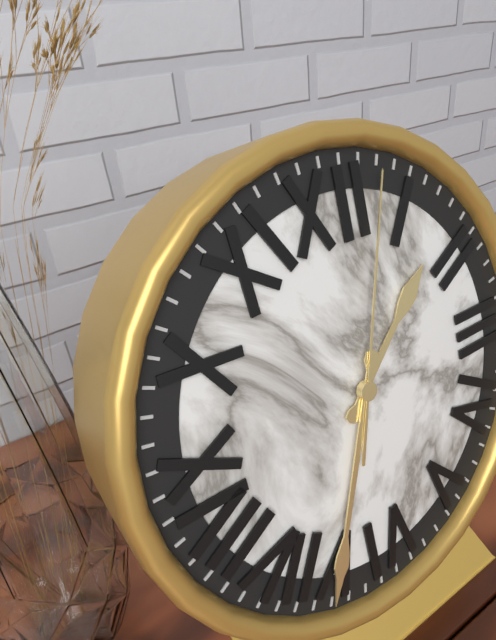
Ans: 1:34:03
